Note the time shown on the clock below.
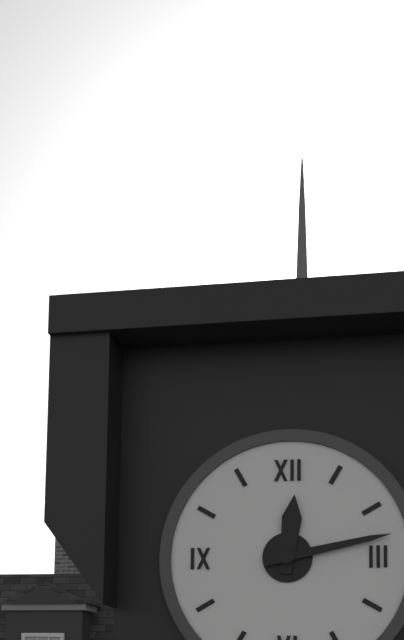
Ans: 12:13
